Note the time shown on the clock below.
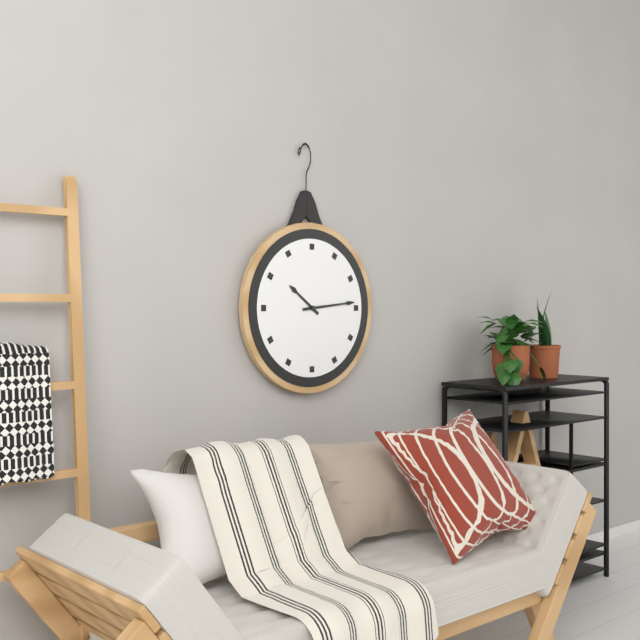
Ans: 10:14
